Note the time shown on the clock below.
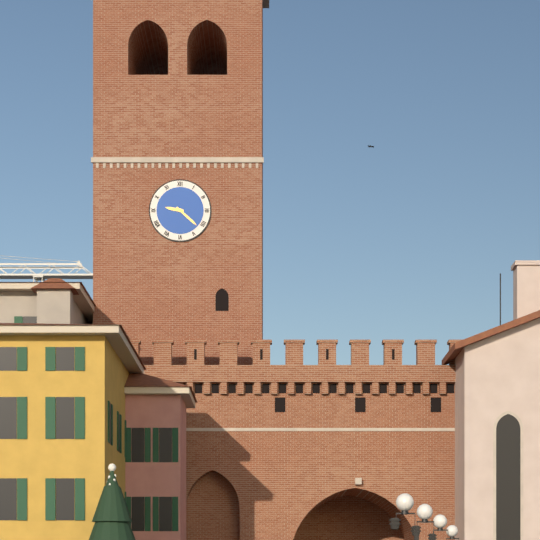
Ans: 9:22
